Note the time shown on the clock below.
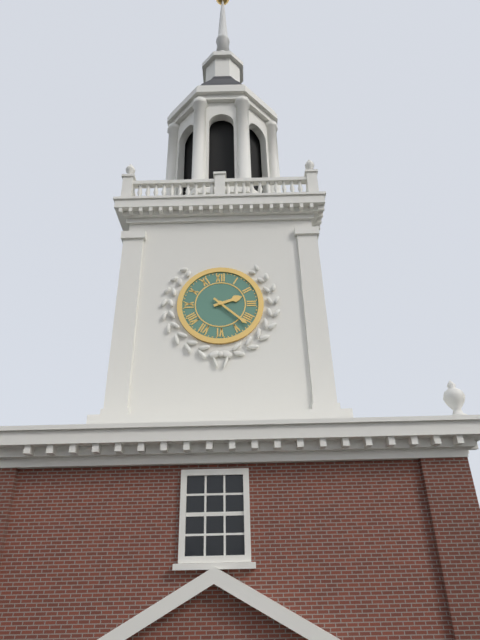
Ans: 2:22
